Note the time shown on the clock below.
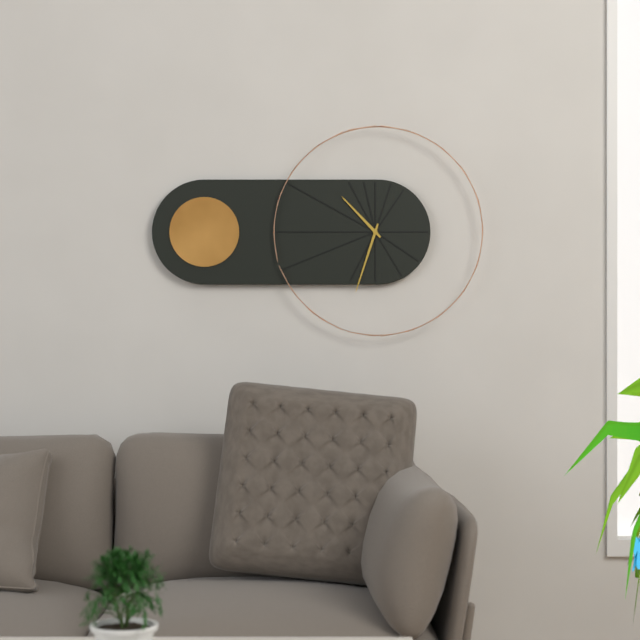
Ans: 10:33
